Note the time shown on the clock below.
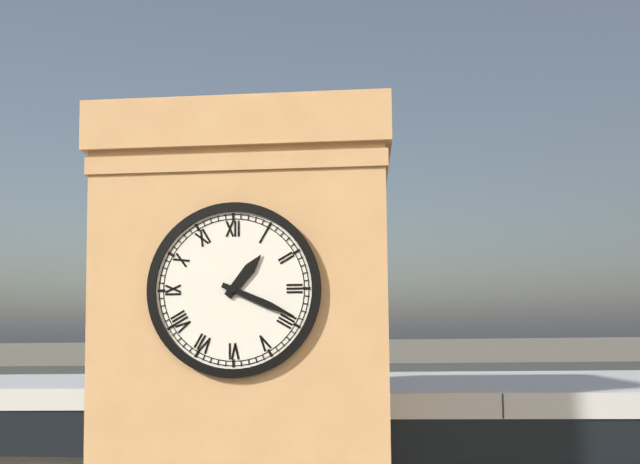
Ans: 1:19
